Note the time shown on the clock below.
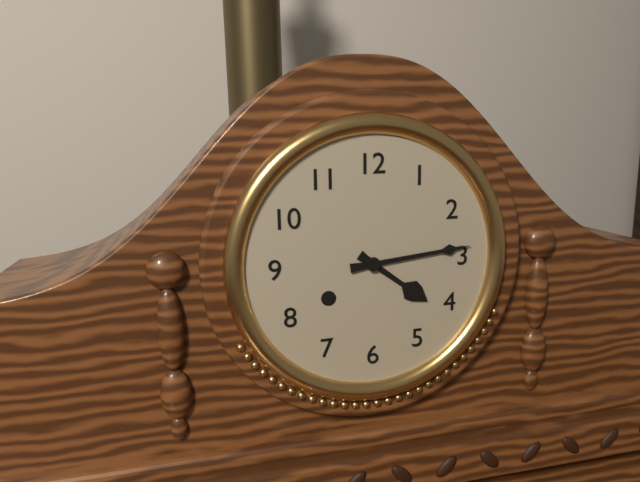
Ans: 4:14
